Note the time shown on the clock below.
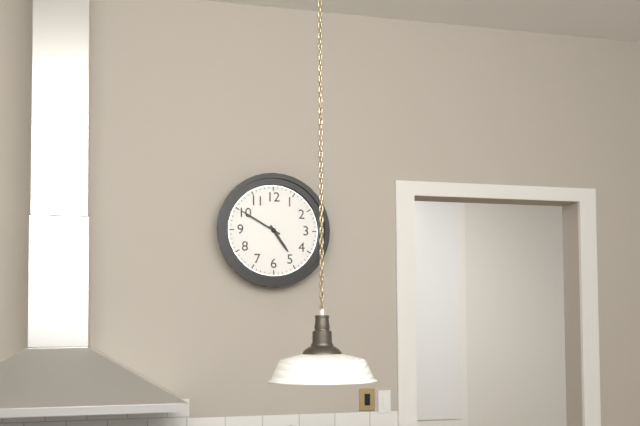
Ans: 4:50
